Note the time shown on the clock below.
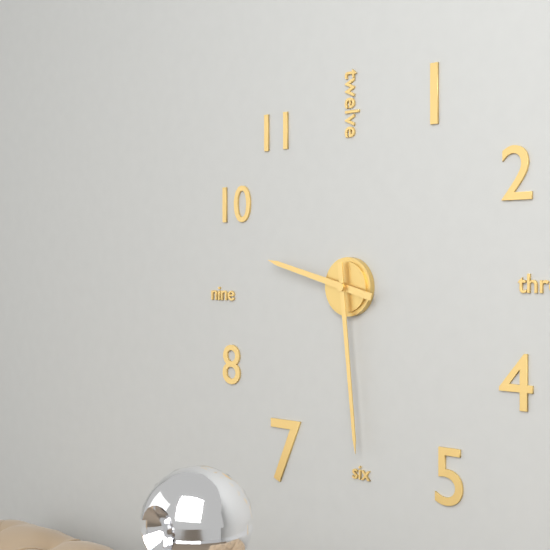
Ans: 9:29
